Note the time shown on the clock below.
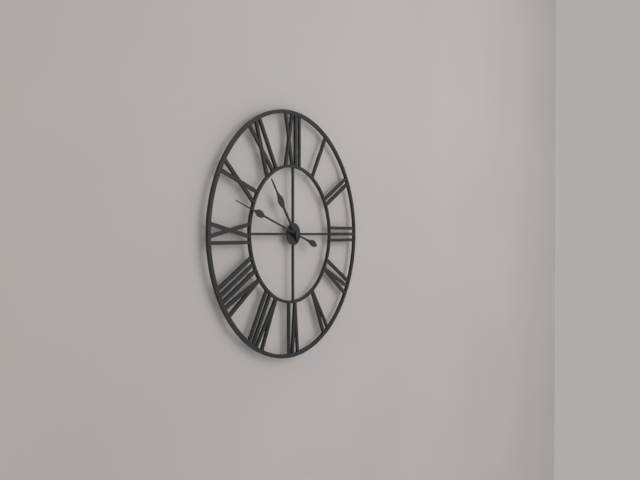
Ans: 10:48
